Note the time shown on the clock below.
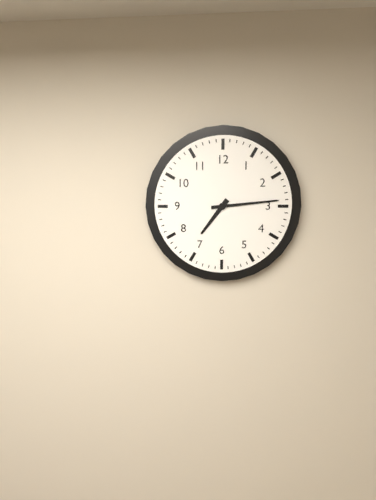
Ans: 7:14
